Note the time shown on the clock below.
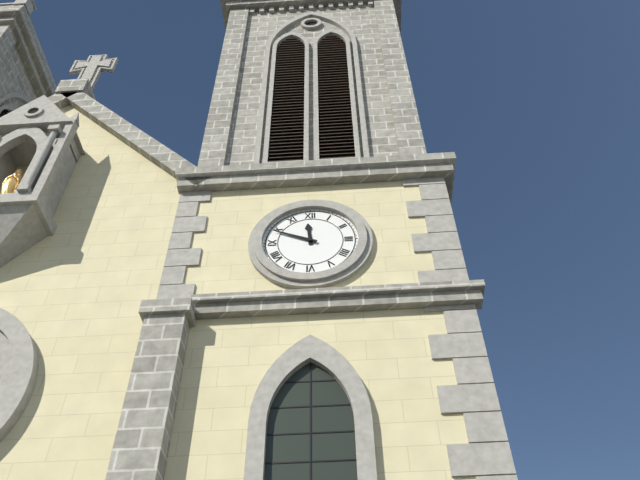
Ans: 11:49
